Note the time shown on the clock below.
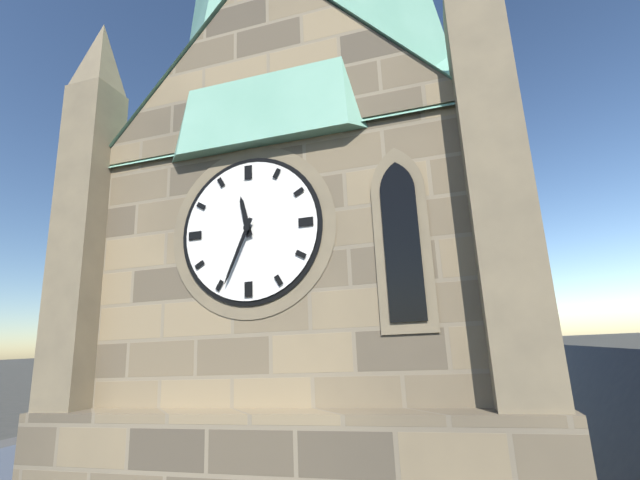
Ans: 11:34
